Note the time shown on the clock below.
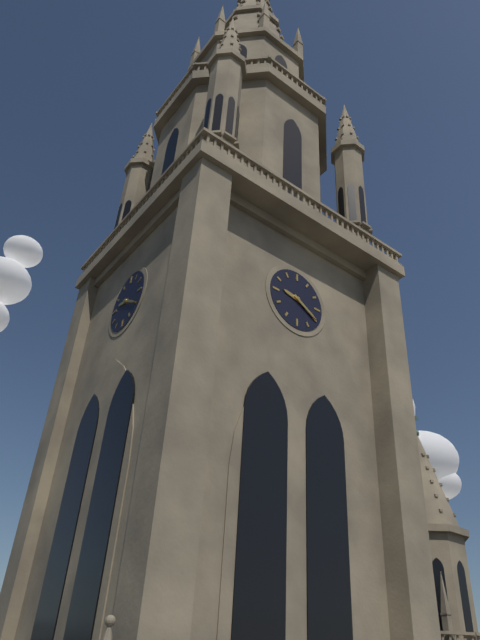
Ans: 9:20
